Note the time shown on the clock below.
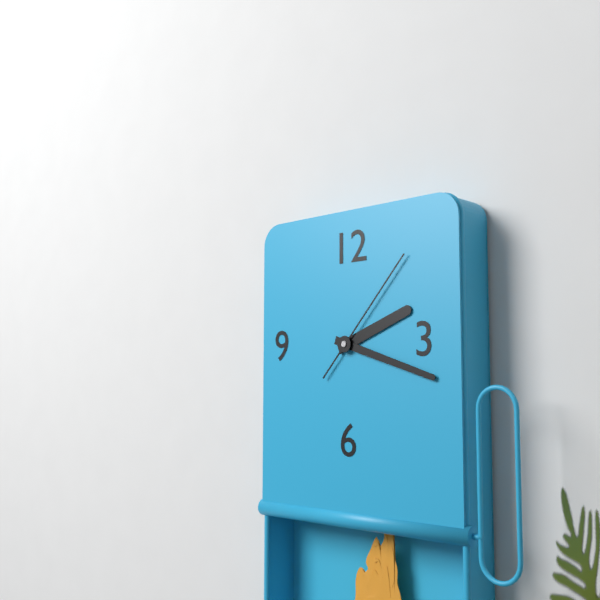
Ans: 2:18:07
